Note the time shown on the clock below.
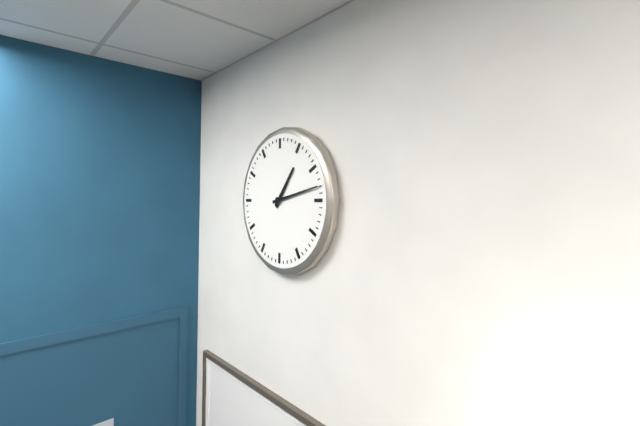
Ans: 1:13
